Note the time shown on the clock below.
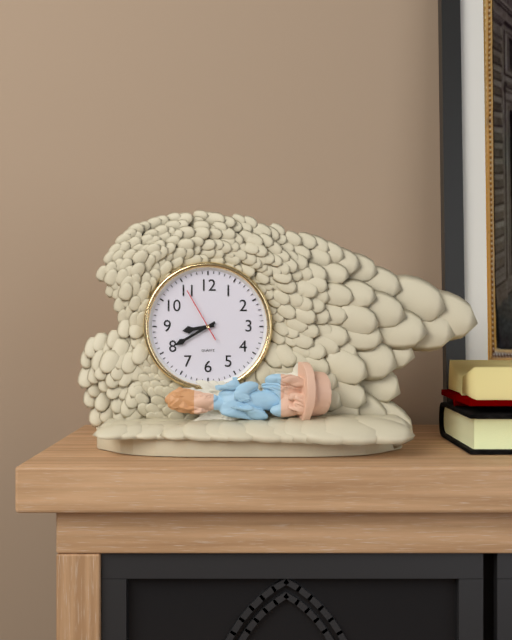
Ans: 8:40:55
